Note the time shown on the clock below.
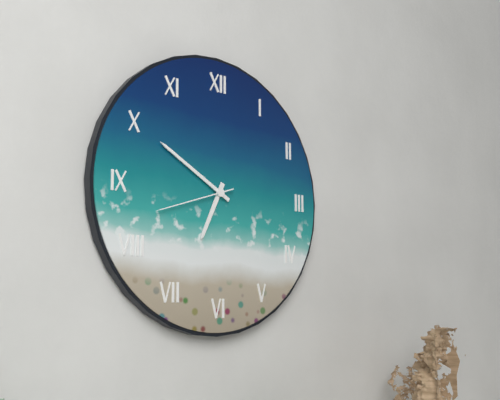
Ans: 6:50:42
